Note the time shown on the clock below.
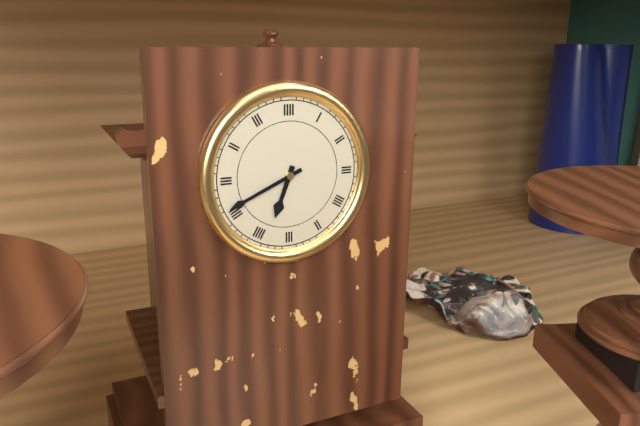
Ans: 6:41
